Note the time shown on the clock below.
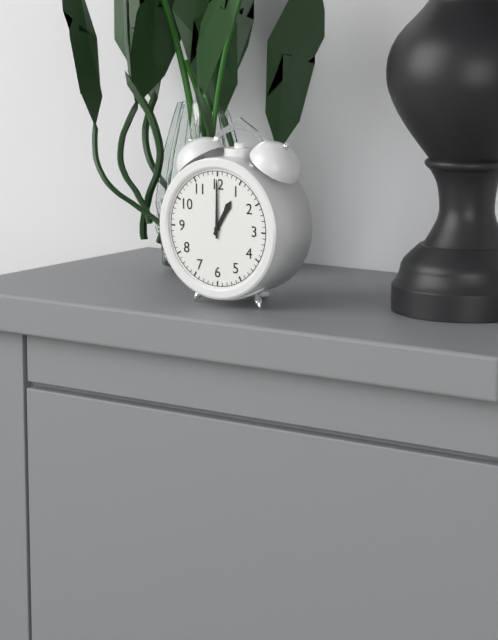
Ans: 1:00
